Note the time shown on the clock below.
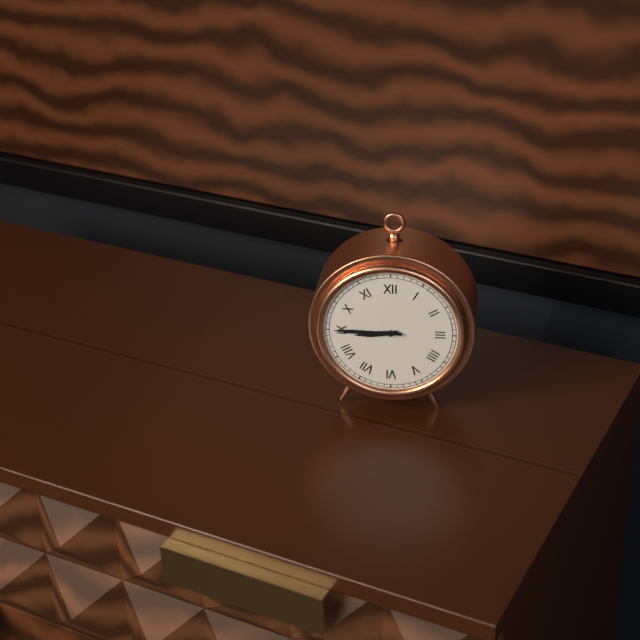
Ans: 8:45
